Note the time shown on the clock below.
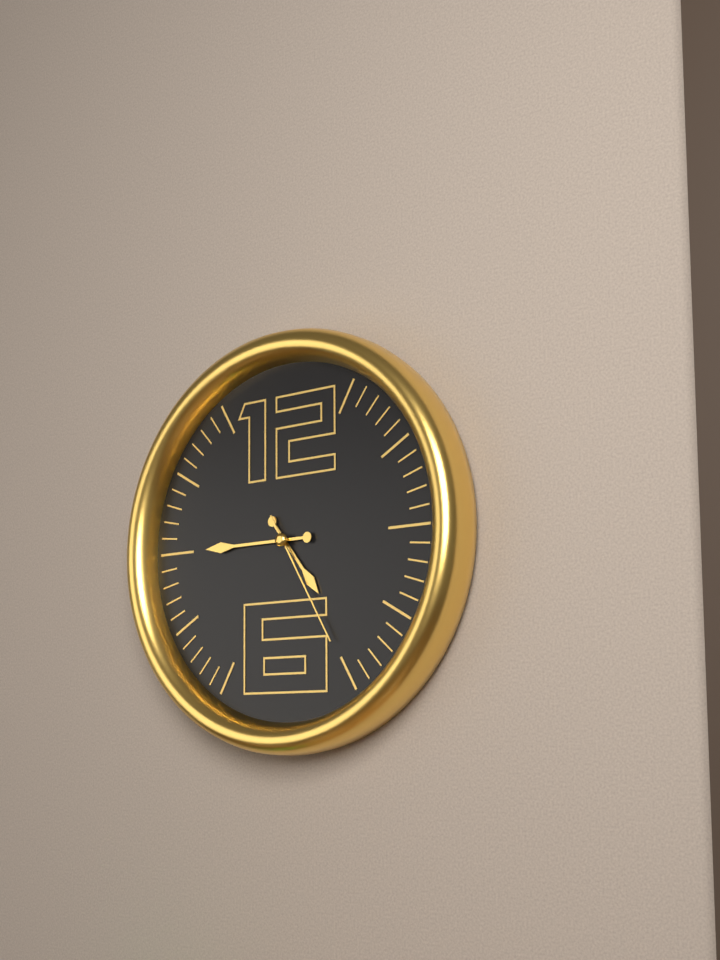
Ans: 4:45:25
